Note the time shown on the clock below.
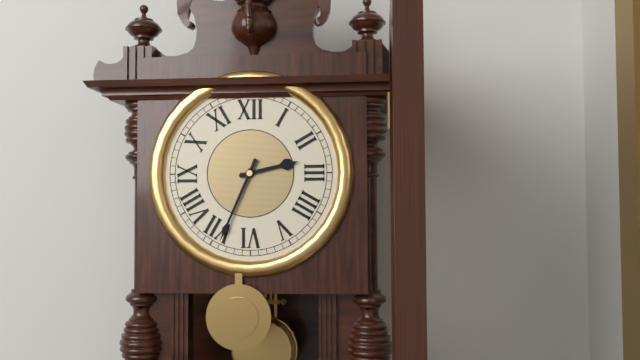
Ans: 2:34
